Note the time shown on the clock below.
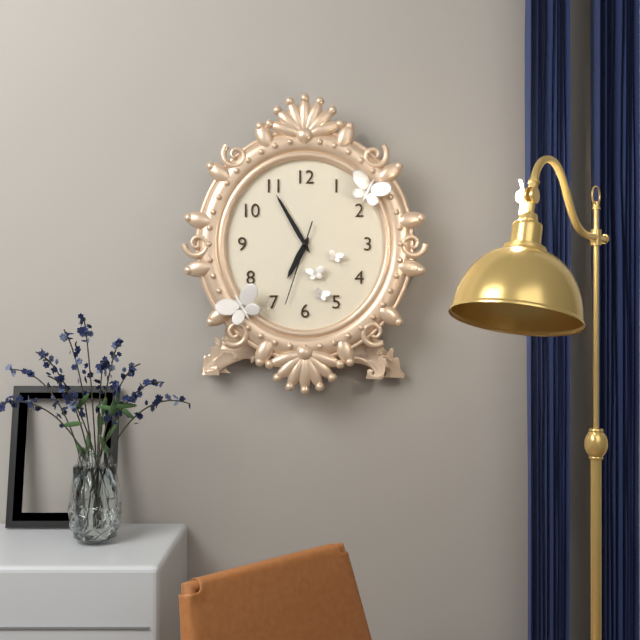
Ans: 6:55:33
